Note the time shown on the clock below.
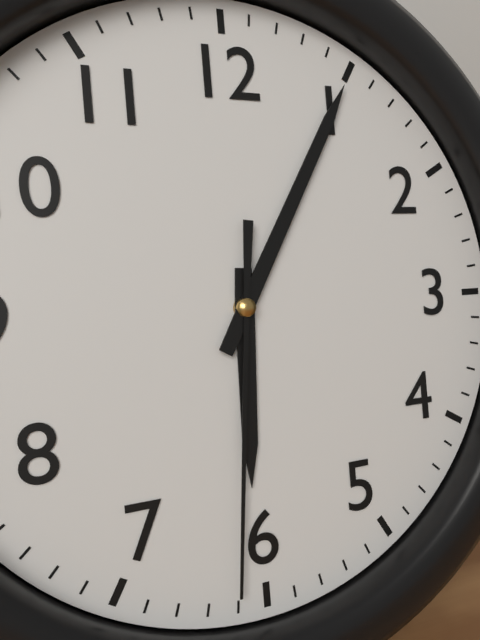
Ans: 6:05:31
